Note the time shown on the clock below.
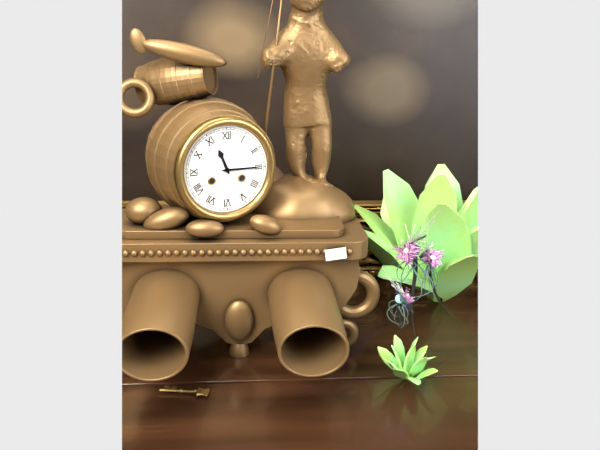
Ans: 11:15
